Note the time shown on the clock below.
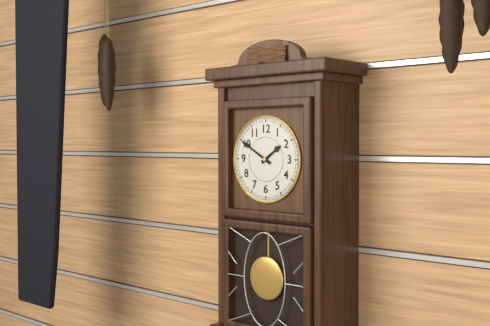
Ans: 1:50
